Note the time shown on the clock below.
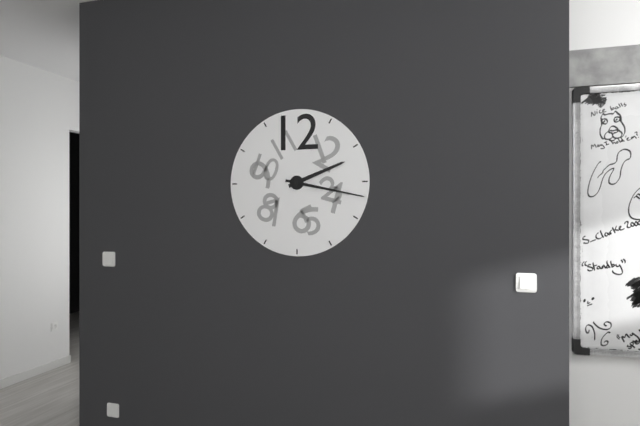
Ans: 2:17
